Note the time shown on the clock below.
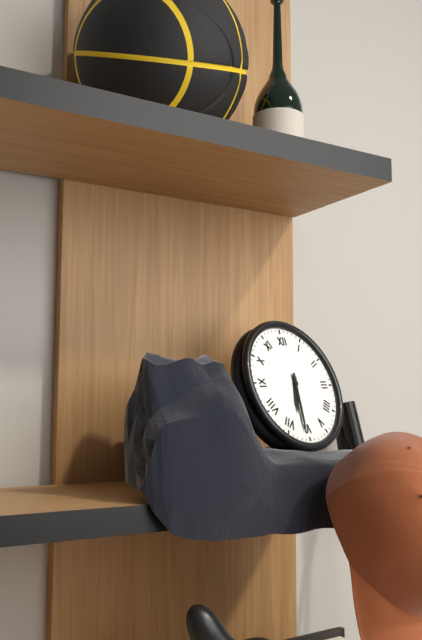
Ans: 6:31
